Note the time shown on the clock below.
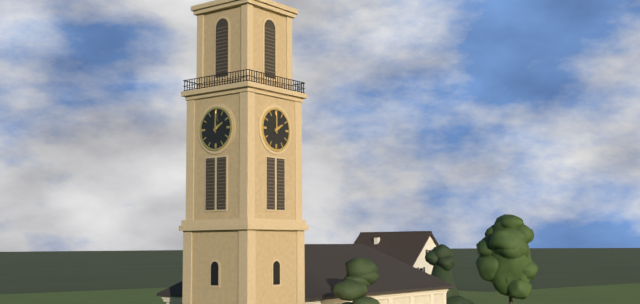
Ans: 2:00
